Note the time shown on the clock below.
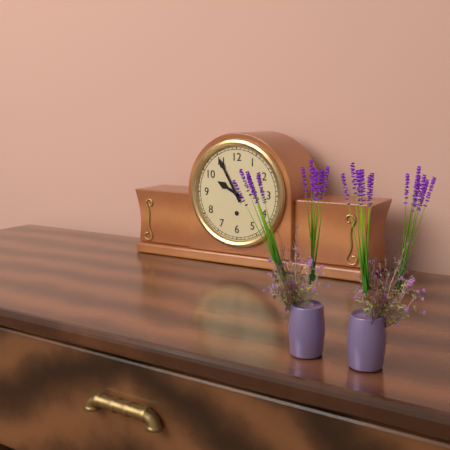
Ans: 9:55
